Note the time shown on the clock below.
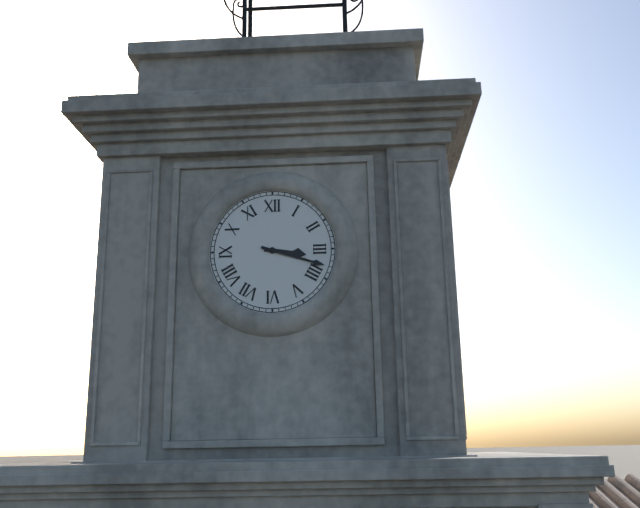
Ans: 3:18
